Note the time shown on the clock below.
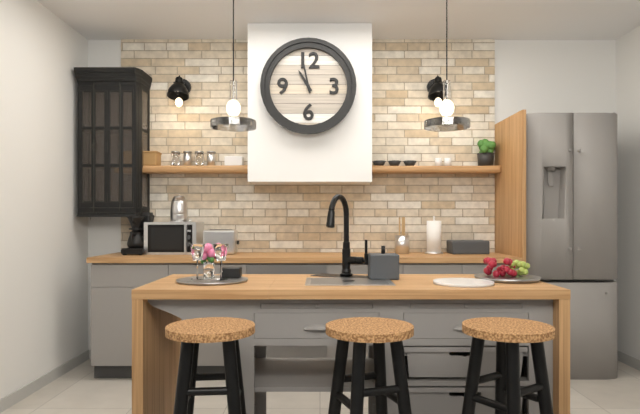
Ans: 10:58
